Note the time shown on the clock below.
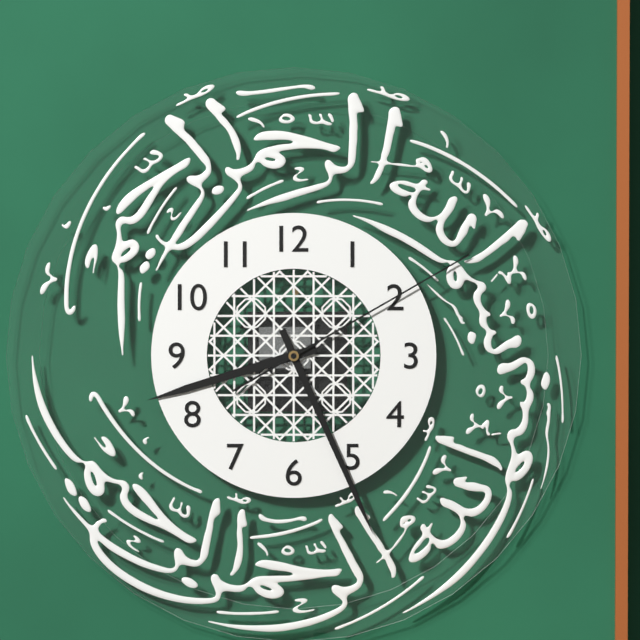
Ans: 8:26:10
